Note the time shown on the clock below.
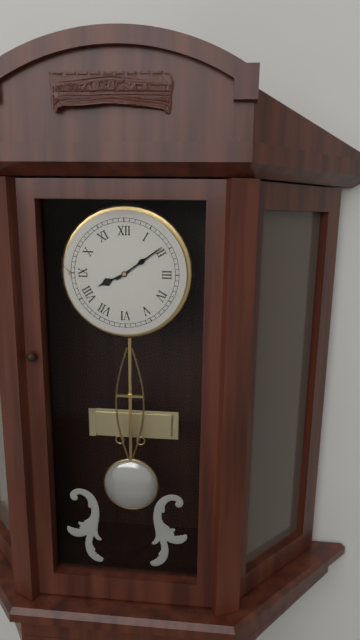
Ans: 8:09
